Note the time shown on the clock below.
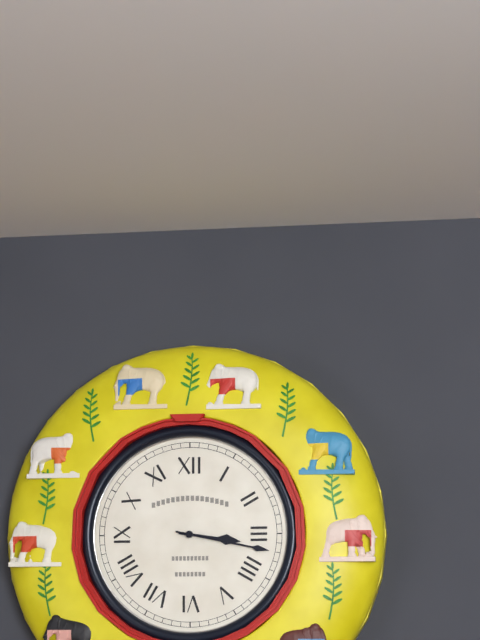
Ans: 3:17
